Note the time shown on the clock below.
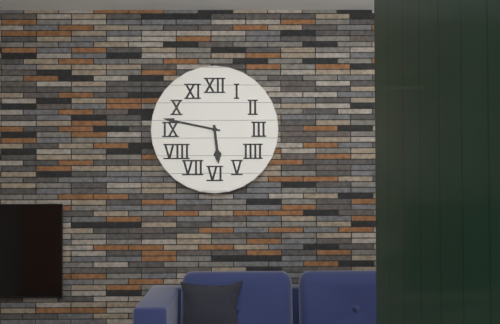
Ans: 5:47
